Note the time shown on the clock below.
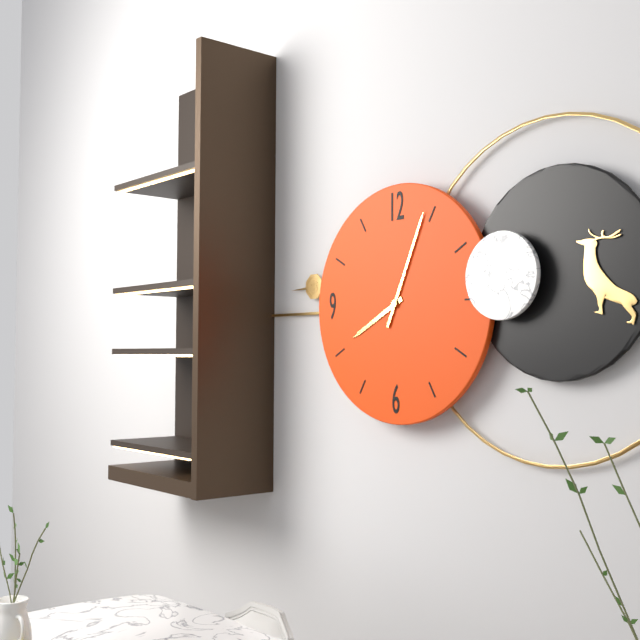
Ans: 8:04
